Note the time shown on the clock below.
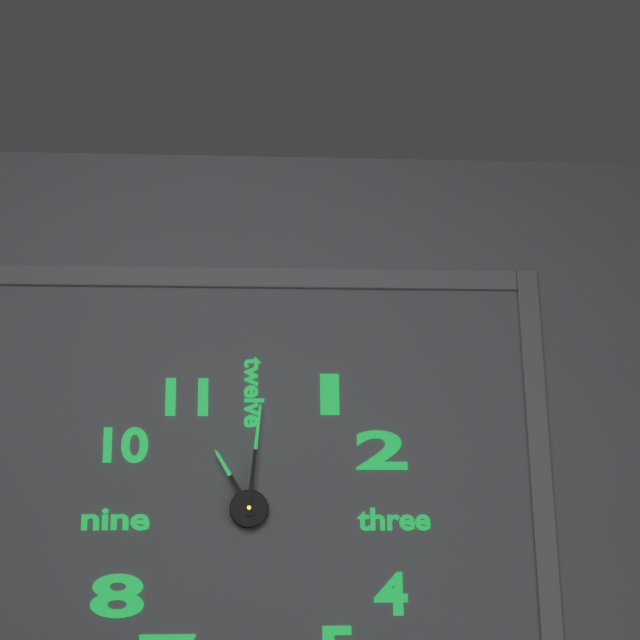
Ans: 11:01
